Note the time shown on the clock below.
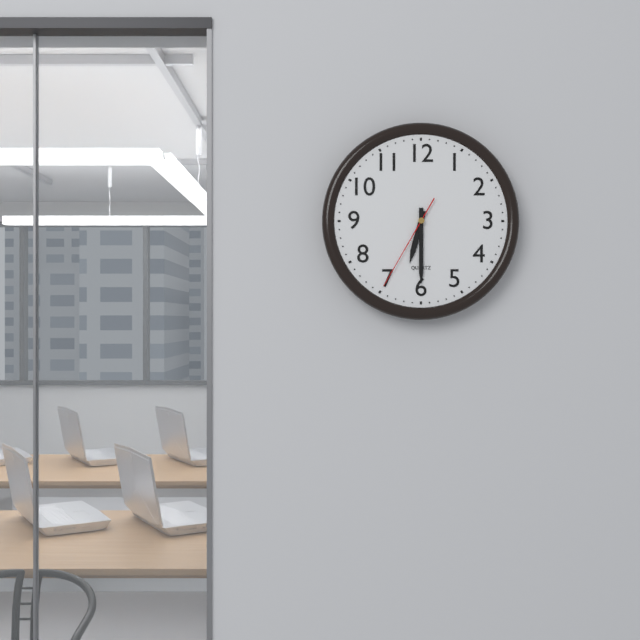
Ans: 6:30:35
